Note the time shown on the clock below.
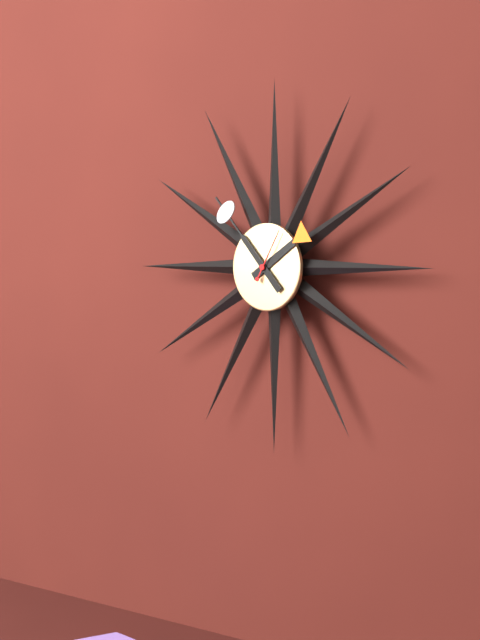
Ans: 1:53
